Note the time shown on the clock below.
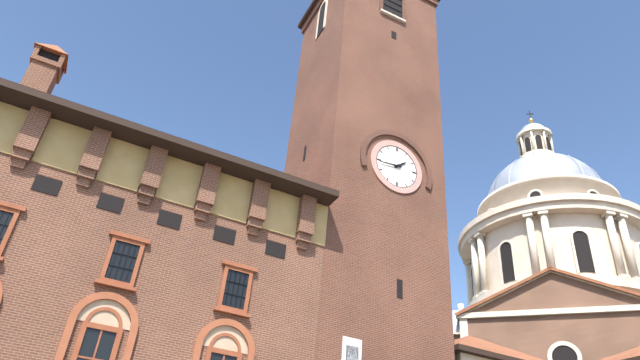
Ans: 1:44
